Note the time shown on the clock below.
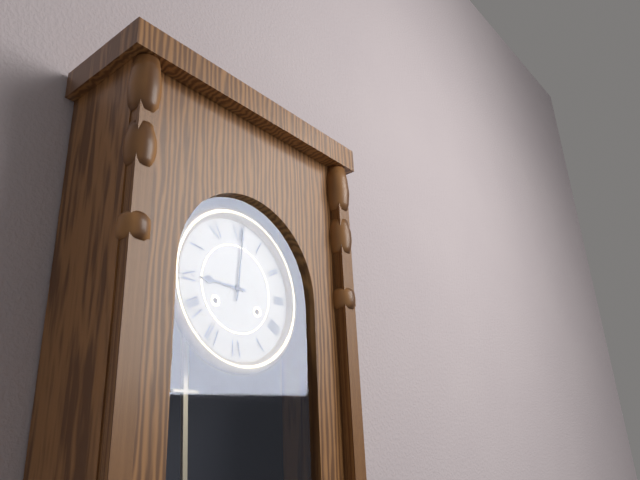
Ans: 9:01
